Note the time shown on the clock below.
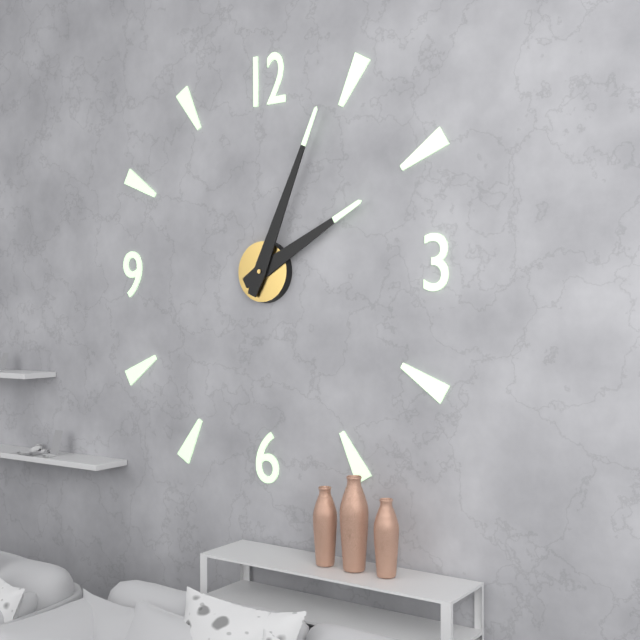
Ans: 2:04
